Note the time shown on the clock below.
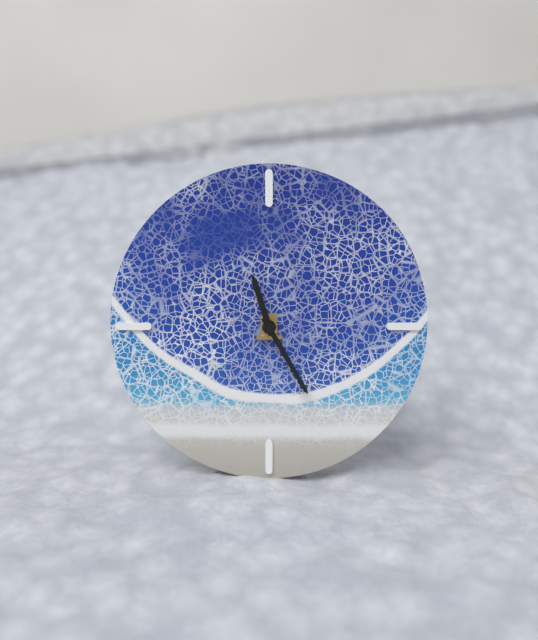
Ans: 11:25
